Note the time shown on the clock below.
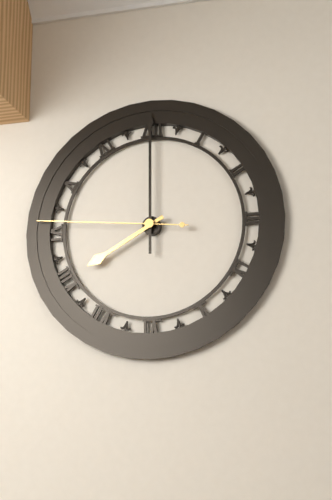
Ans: 8:00:46
